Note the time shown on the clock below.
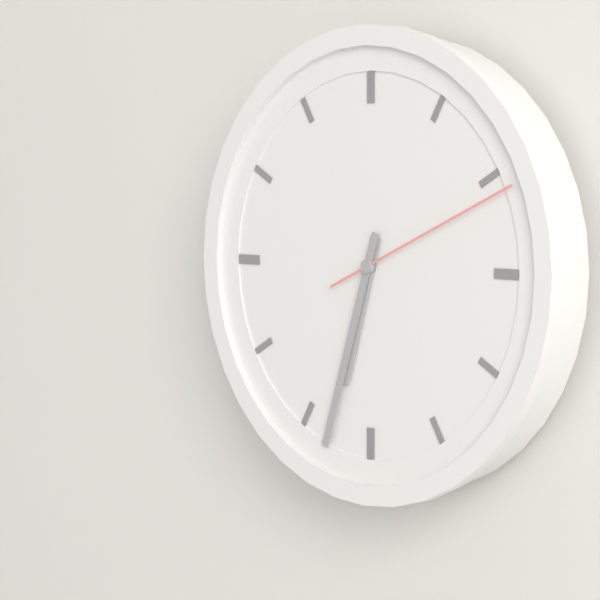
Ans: 6:33:11
